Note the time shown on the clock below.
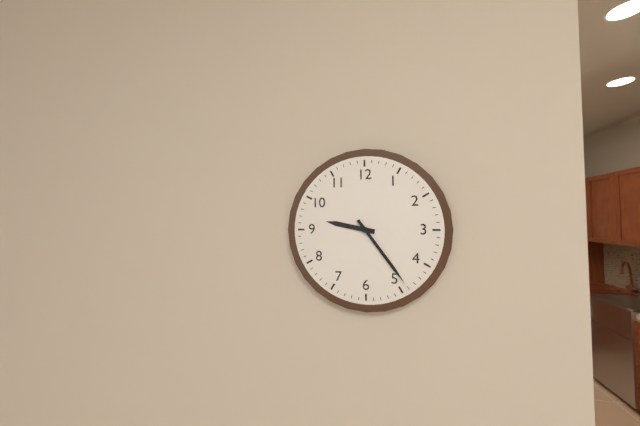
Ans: 9:24
